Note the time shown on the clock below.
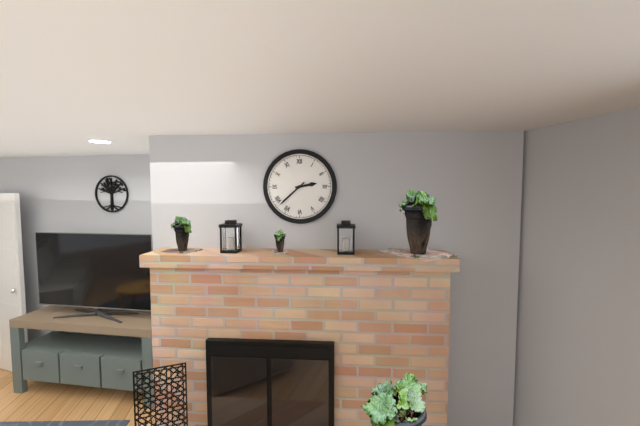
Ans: 2:38
